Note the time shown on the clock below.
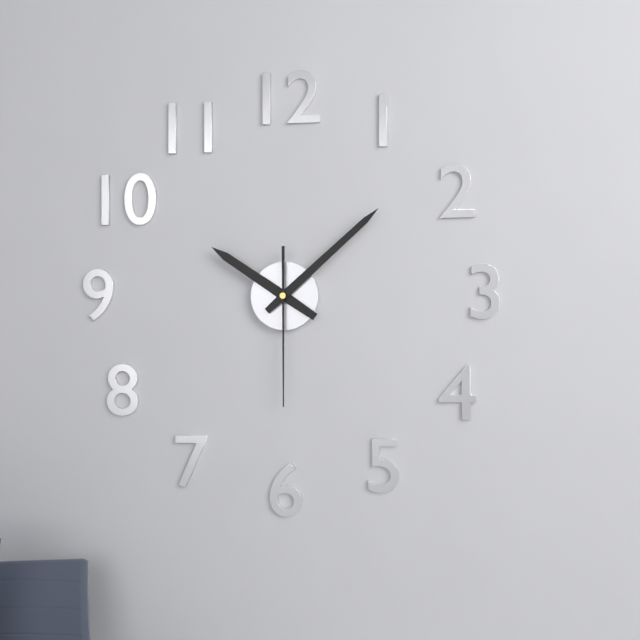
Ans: 10:08:30
